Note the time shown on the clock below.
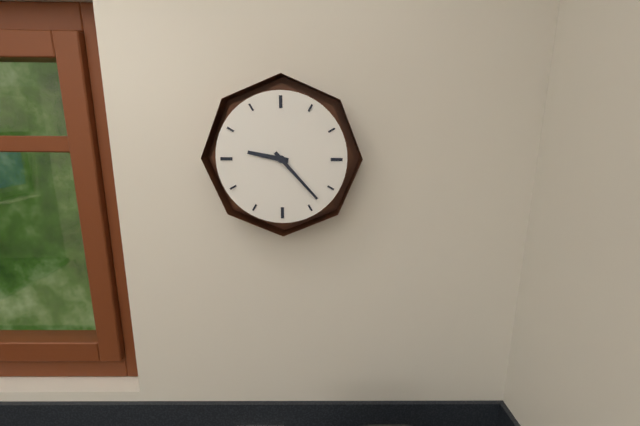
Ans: 9:23
